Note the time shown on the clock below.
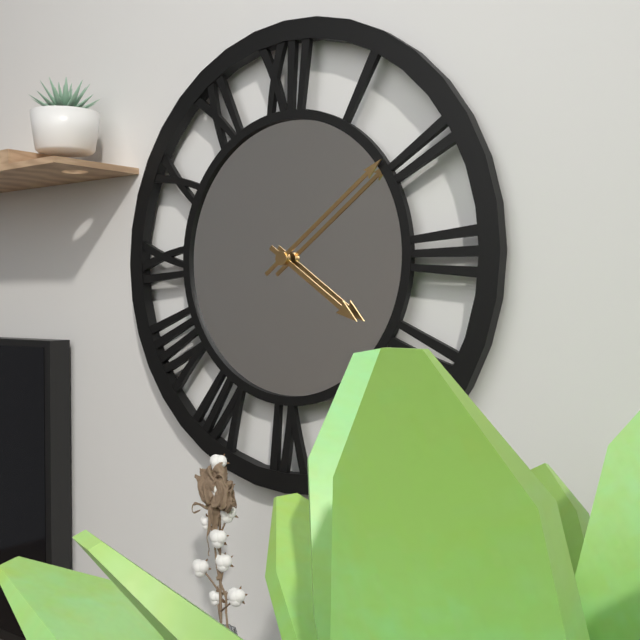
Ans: 4:09
